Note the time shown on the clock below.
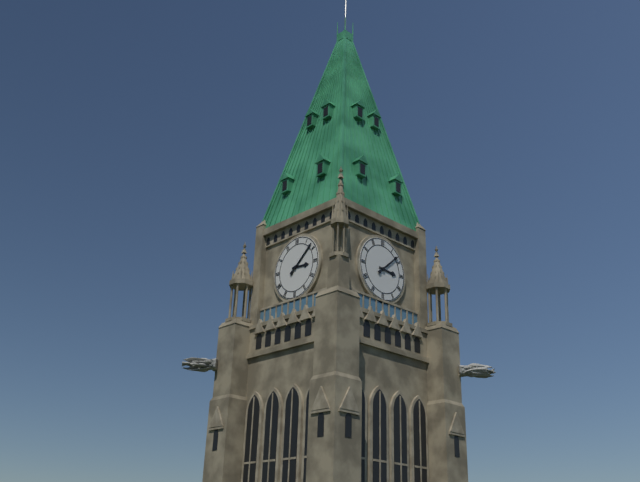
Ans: 3:08
